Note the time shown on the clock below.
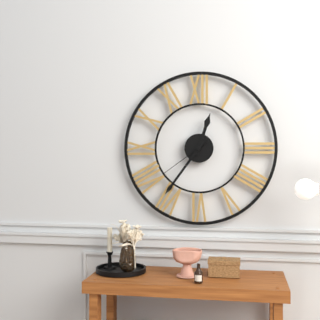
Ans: 12:36:39
